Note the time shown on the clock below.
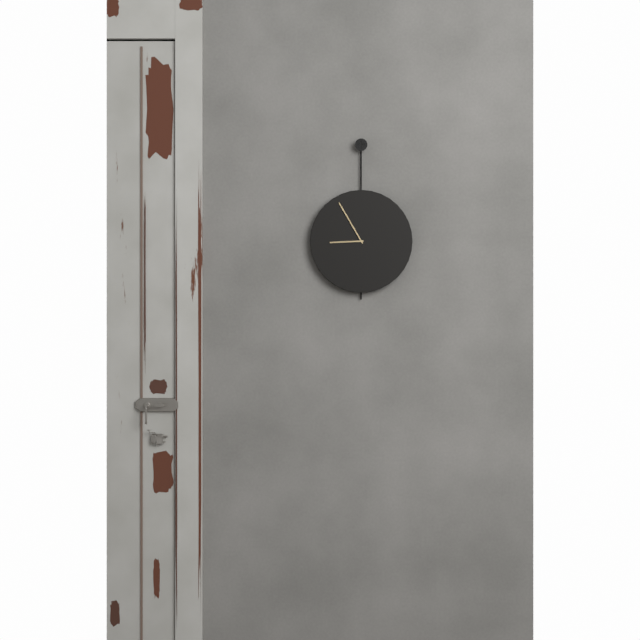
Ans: 8:55
